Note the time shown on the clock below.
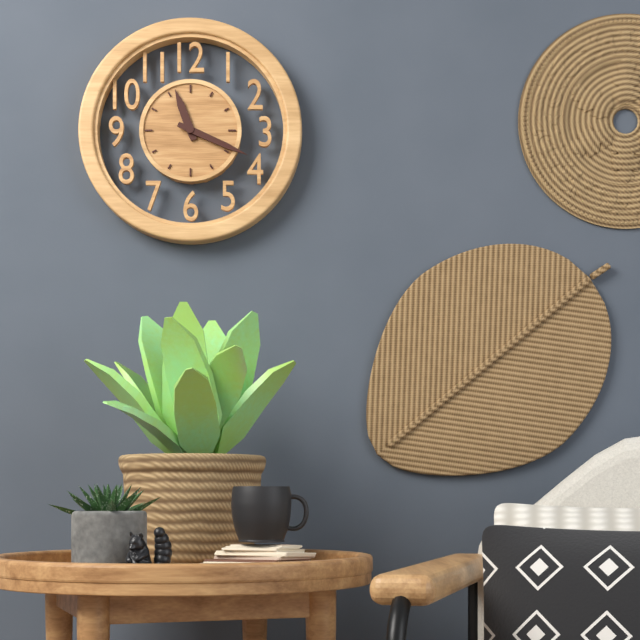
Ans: 11:19
